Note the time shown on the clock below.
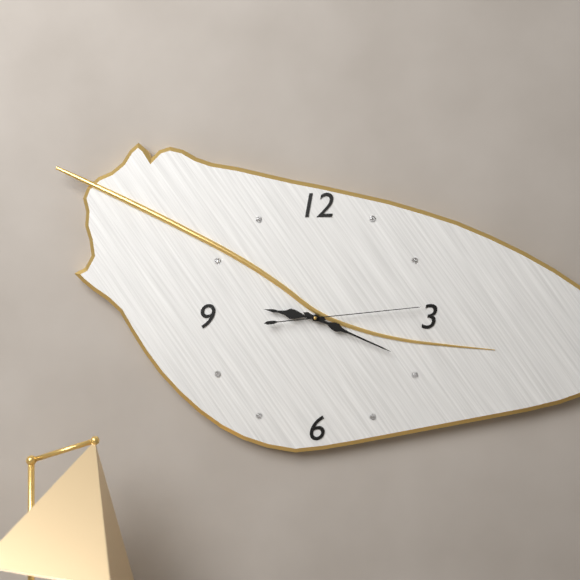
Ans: 9:19:14
